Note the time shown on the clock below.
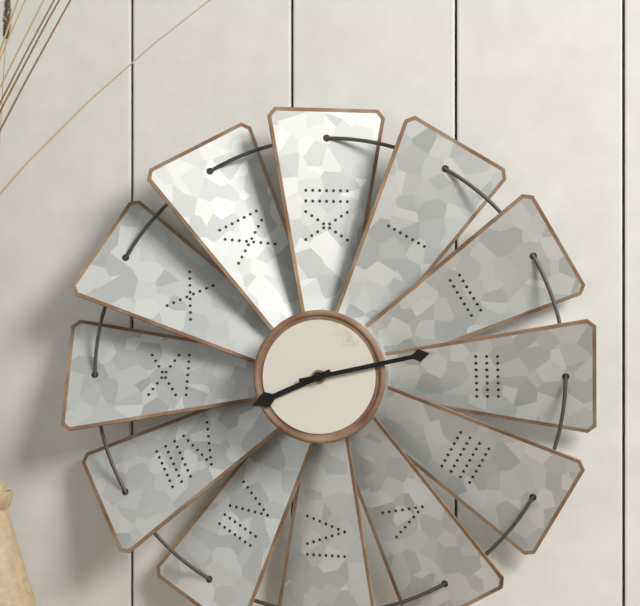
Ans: 8:13
